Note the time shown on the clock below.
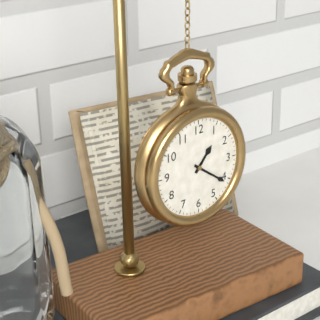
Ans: 1:21
